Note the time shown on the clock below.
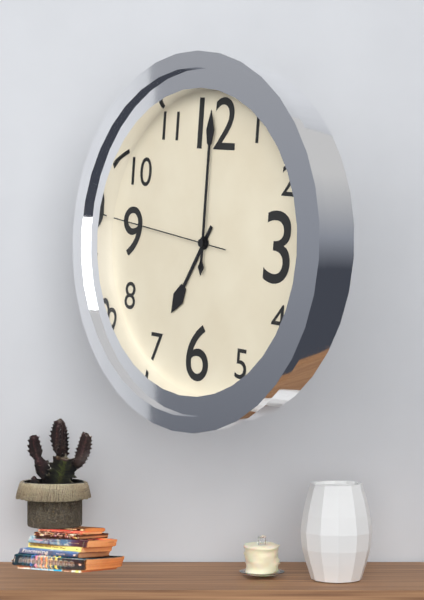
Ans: 7:00:46
